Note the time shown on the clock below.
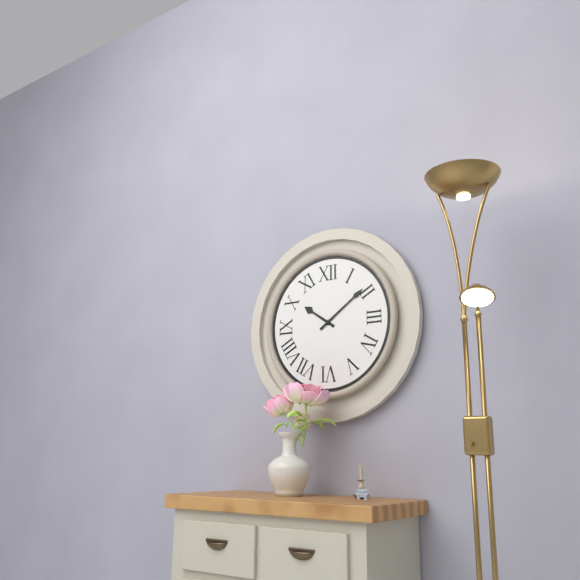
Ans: 10:09
